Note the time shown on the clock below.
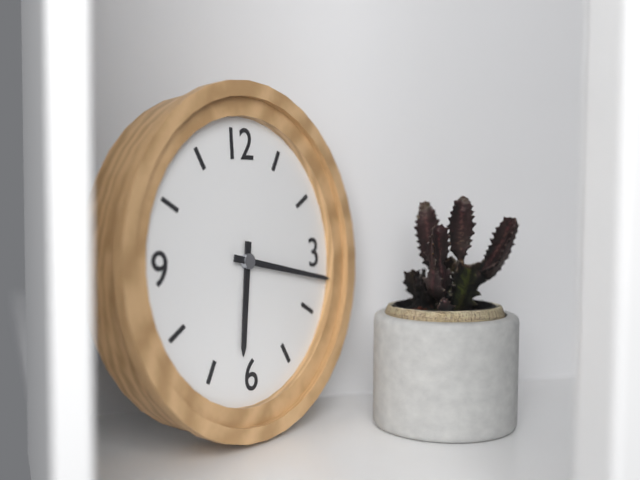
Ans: 6:17
